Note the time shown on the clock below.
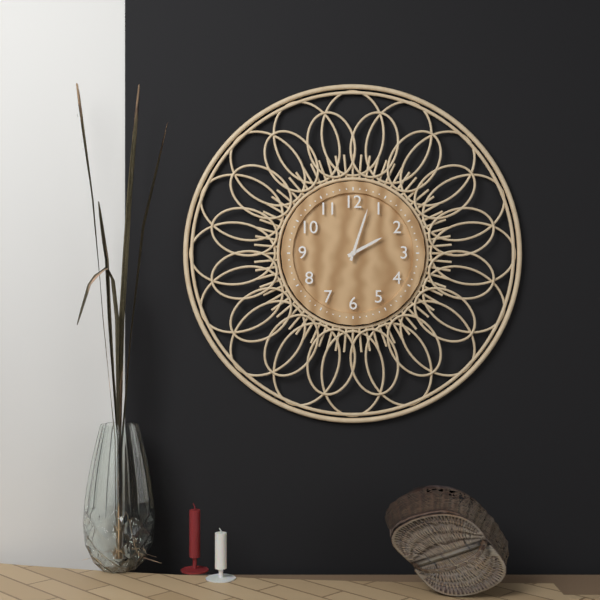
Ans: 2:03
